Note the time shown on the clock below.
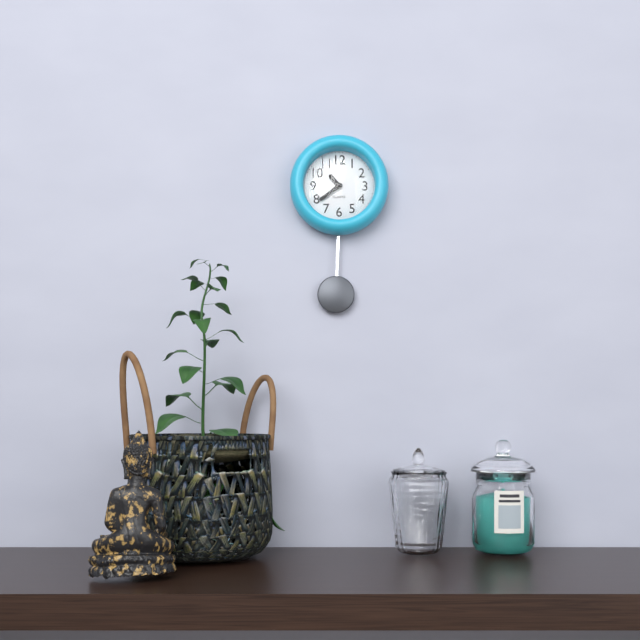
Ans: 10:39
